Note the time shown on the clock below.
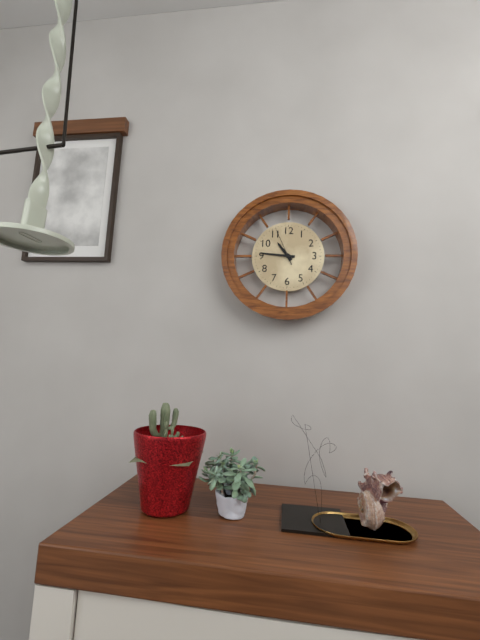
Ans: 10:46
